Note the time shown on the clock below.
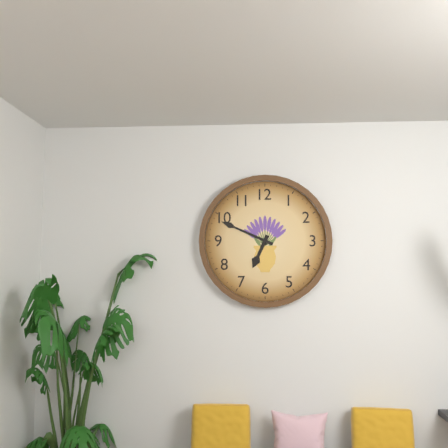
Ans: 6:49
